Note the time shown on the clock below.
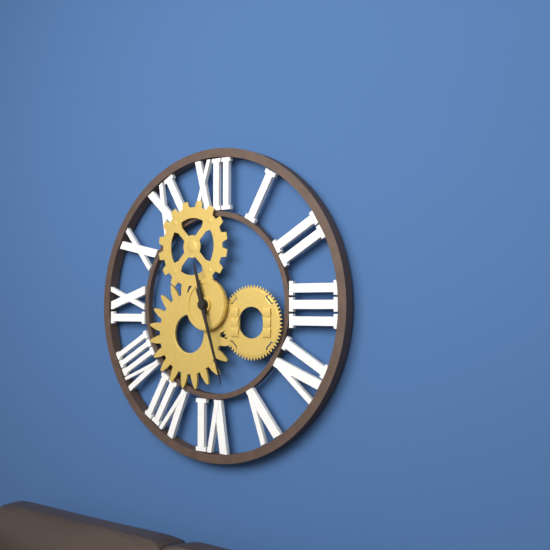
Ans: 11:27
